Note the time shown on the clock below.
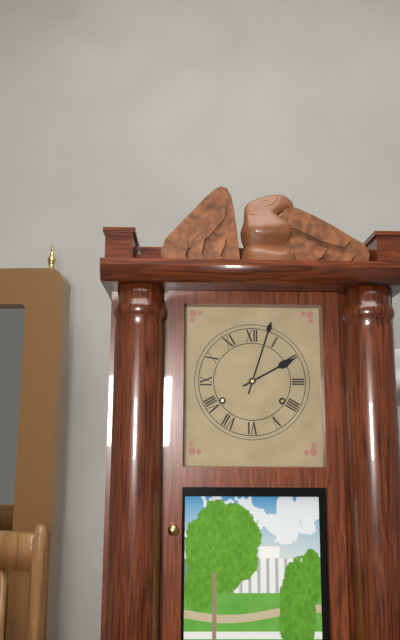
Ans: 2:03
